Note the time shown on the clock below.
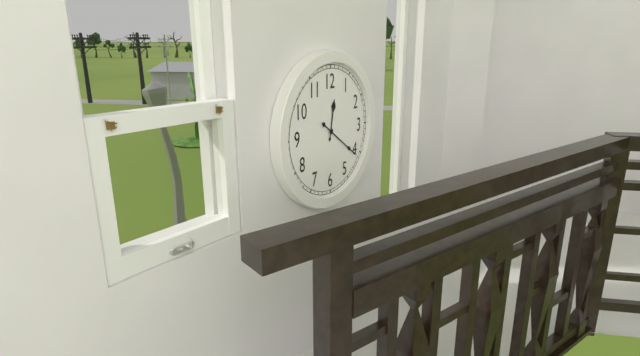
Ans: 12:21
